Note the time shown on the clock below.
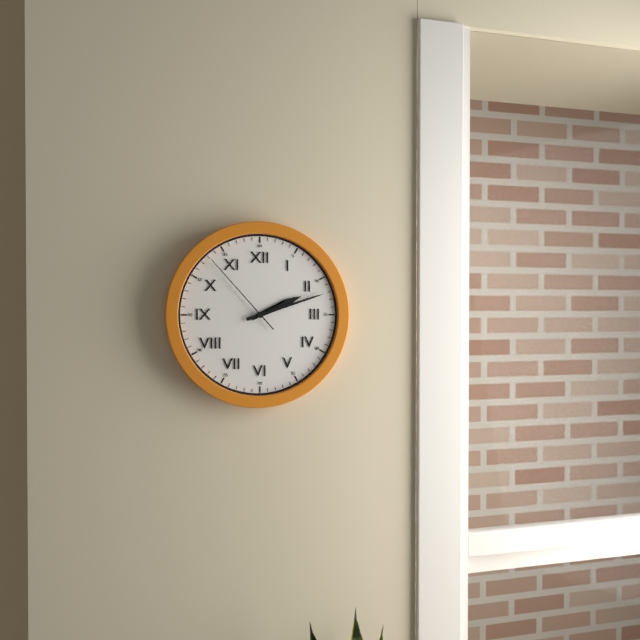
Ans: 2:12:53
